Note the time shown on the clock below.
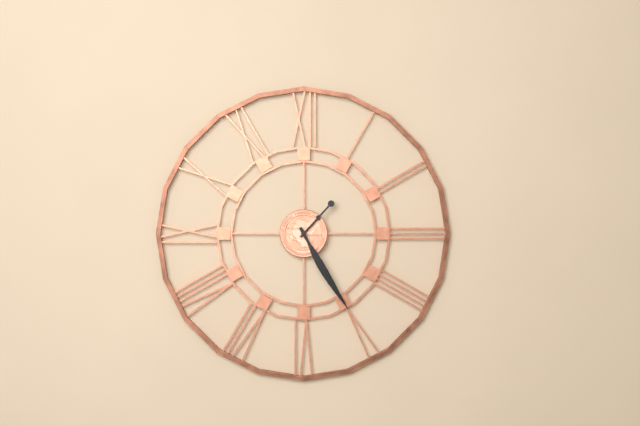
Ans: 1:25
